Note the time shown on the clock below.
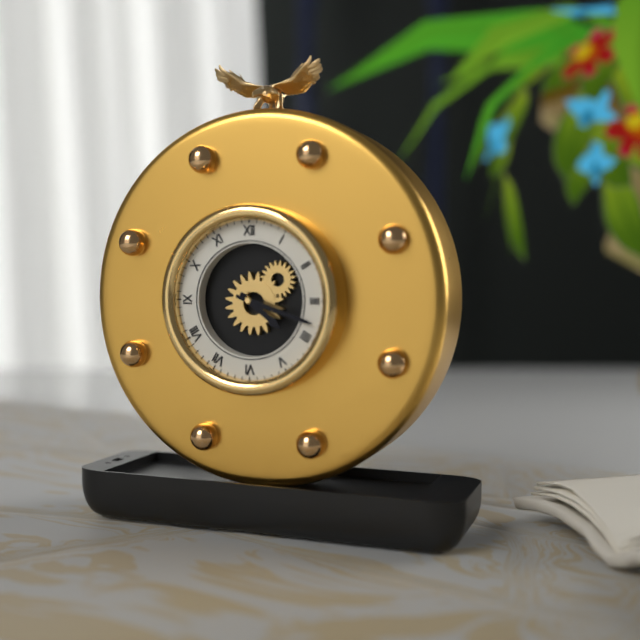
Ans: 4:18
